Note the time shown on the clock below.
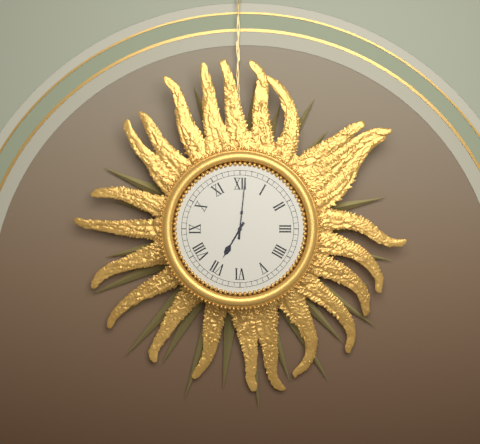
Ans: 7:01
